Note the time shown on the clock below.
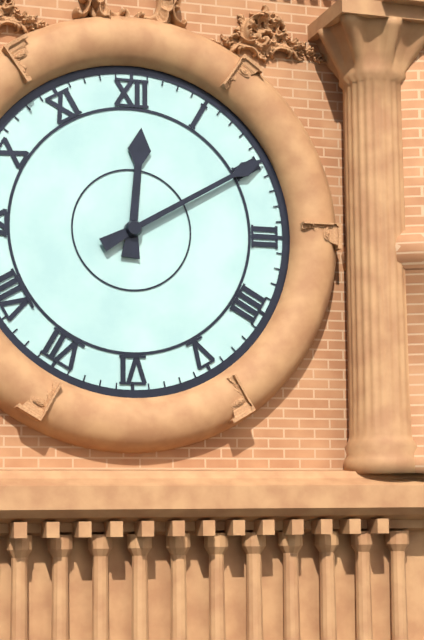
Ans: 12:10
